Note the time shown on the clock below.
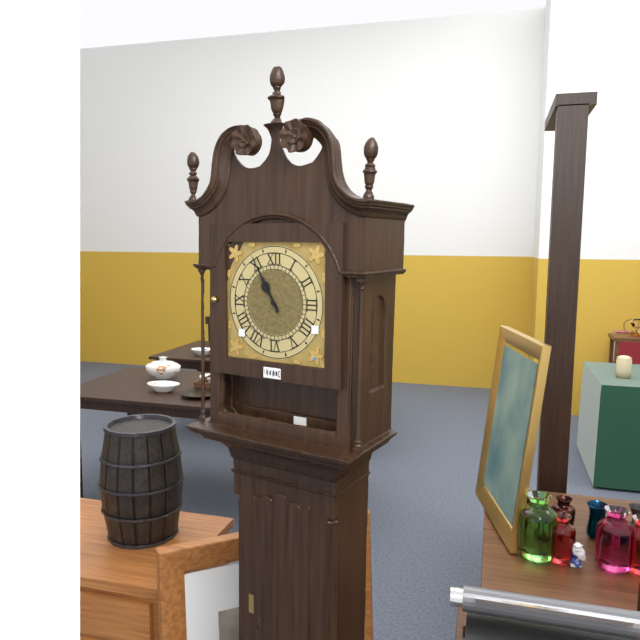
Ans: 10:55
